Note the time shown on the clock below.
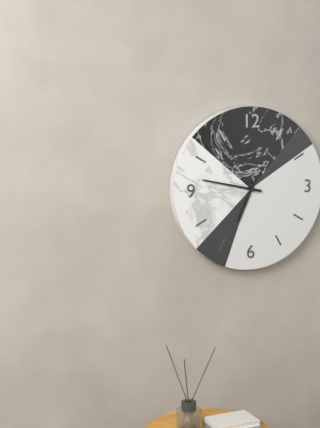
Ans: 6:47
